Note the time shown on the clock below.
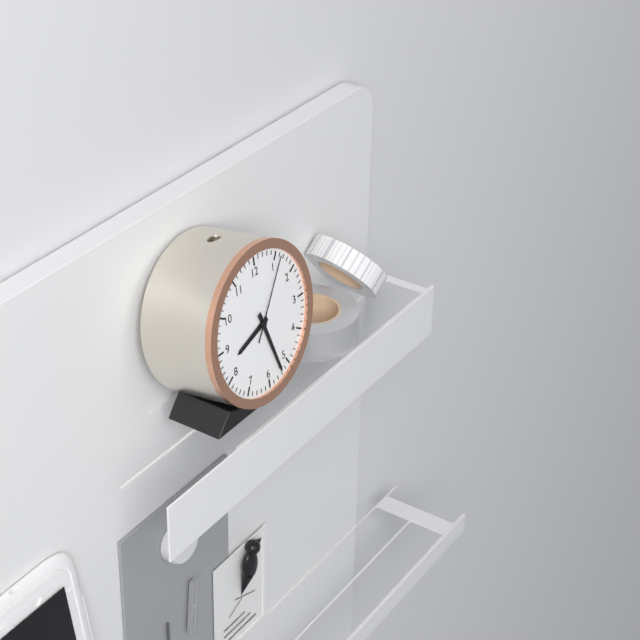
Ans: 8:27:06
